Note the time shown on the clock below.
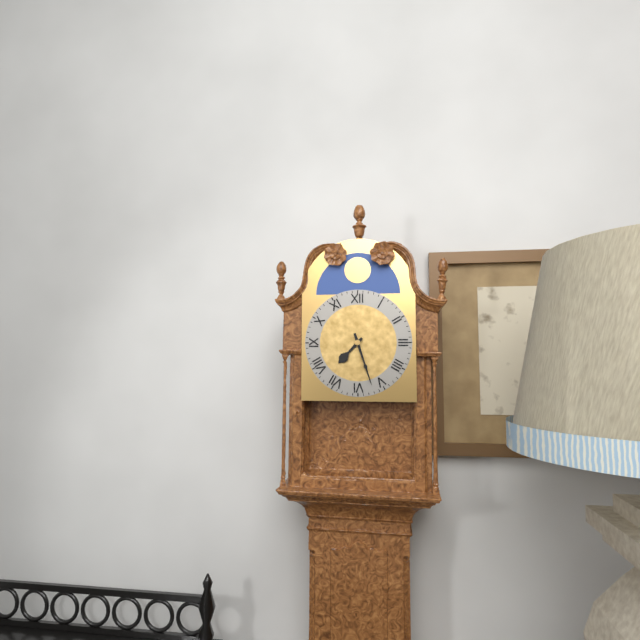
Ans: 7:27
